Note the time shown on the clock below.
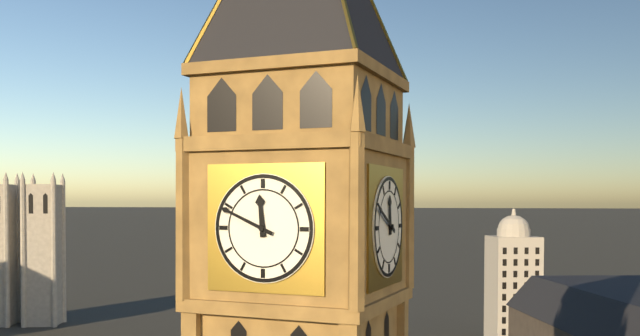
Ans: 11:49
